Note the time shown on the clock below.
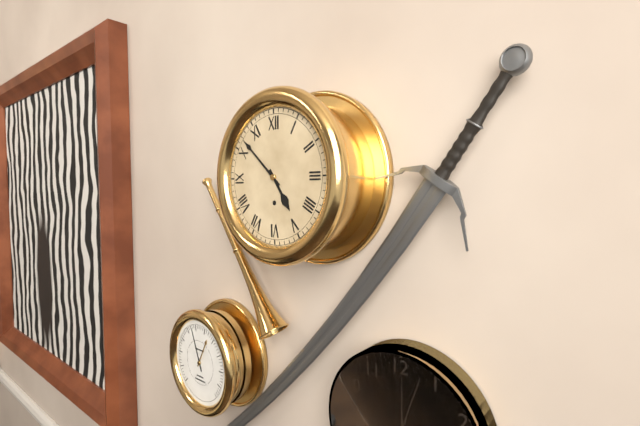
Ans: 4:52
